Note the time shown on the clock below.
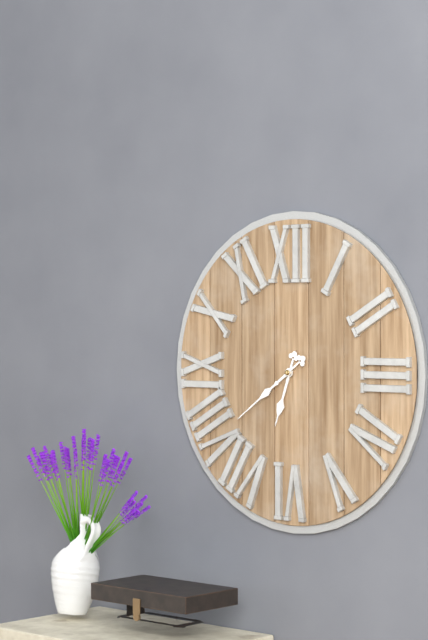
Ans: 6:39
